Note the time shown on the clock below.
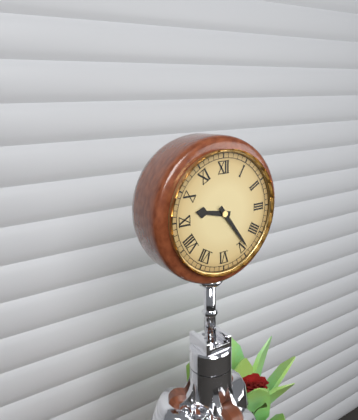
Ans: 9:24
